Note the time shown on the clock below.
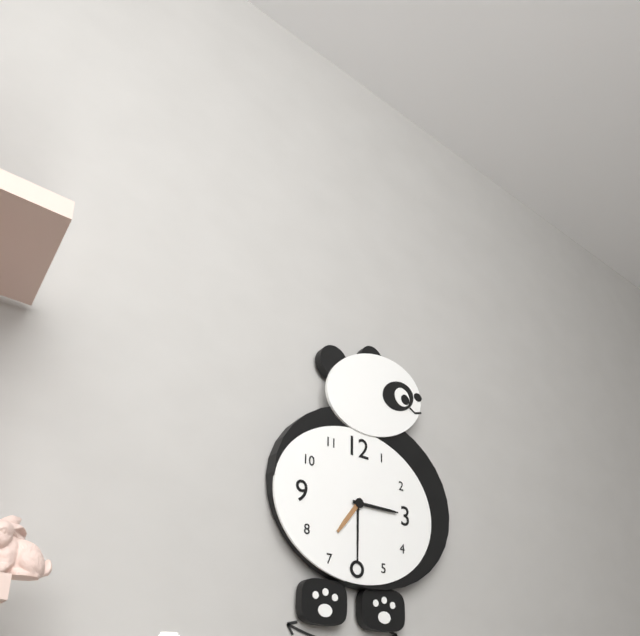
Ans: 7:15
